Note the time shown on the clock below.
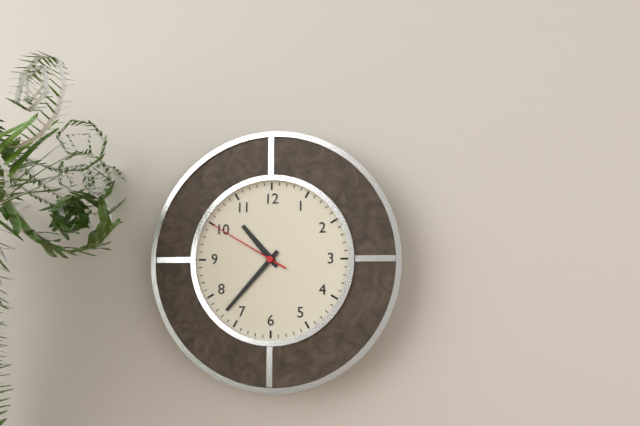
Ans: 10:37:50
